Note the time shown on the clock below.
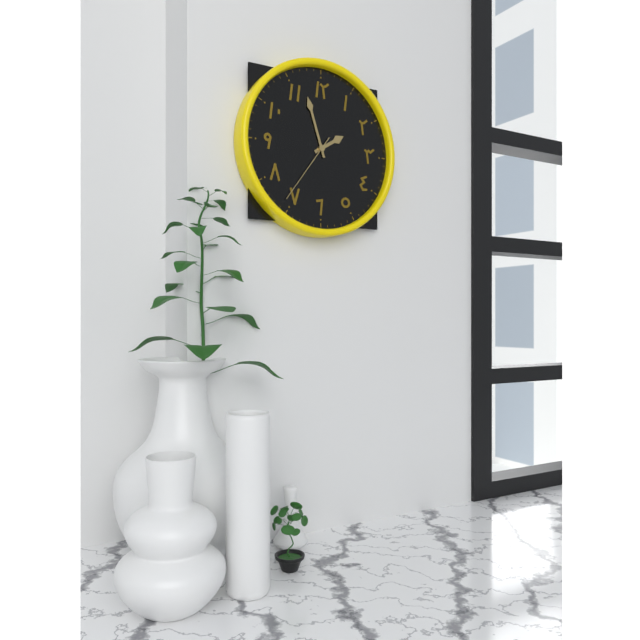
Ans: 1:57:36
